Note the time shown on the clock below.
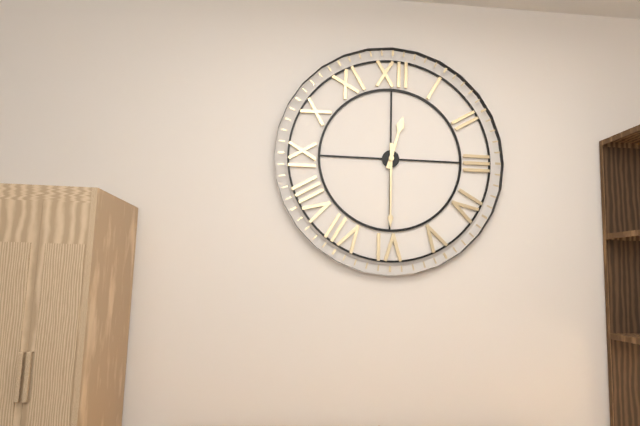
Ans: 12:30
